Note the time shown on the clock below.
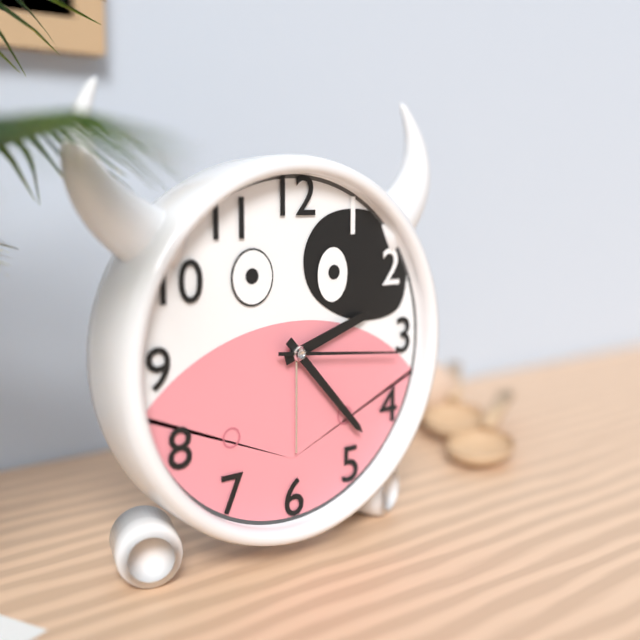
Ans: 2:23:16
